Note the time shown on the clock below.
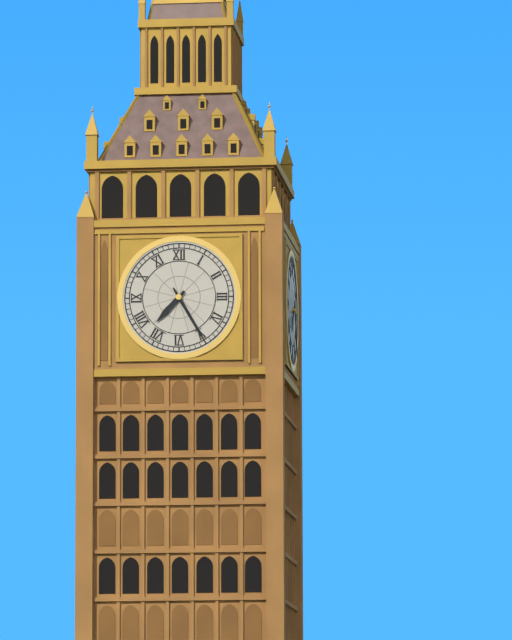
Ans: 7:25
